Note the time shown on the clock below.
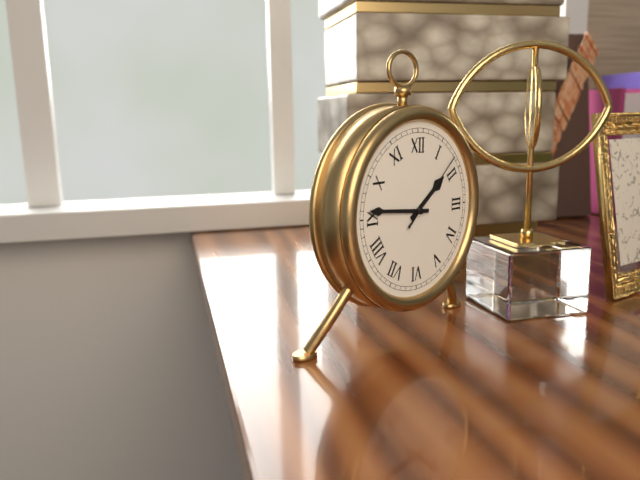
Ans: 1:46:08
